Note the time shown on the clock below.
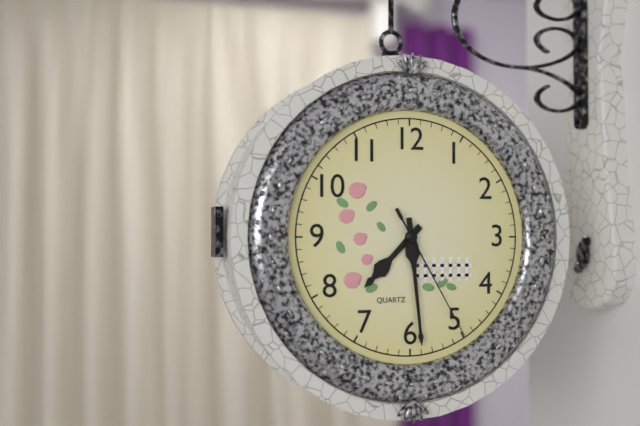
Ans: 7:29:25
